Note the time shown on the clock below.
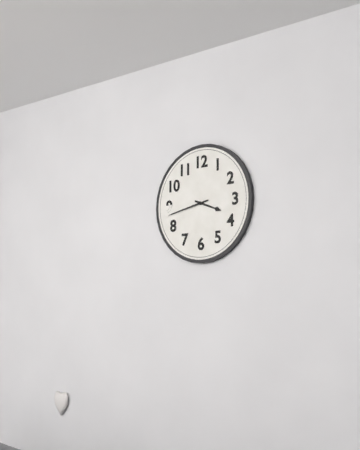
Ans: 3:43
